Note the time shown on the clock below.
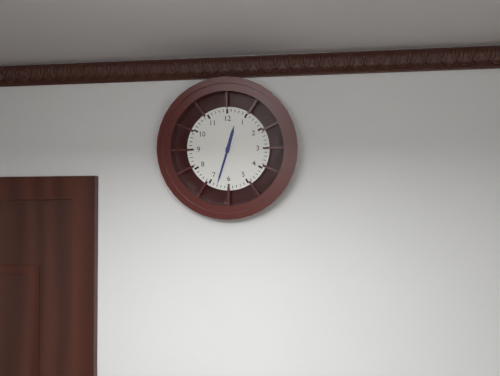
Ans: 12:33
